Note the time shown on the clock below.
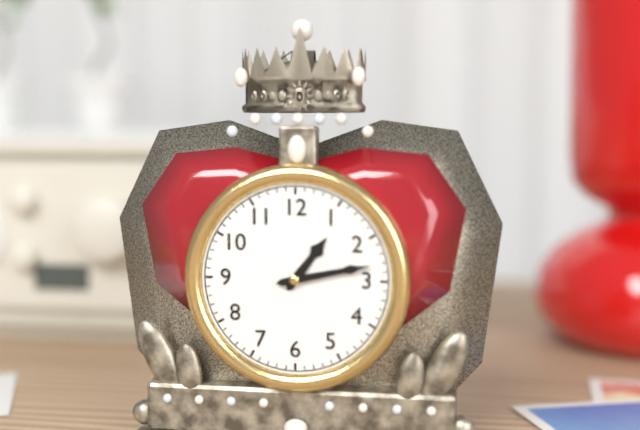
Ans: 1:13
